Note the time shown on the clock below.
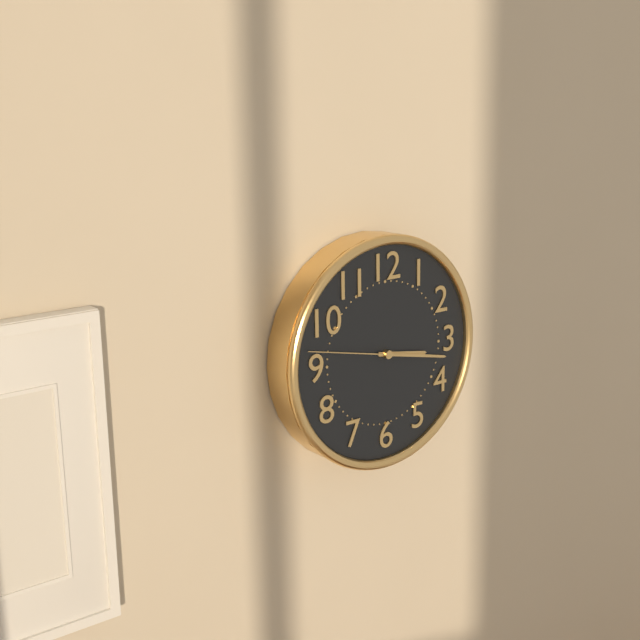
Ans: 3:17:47
